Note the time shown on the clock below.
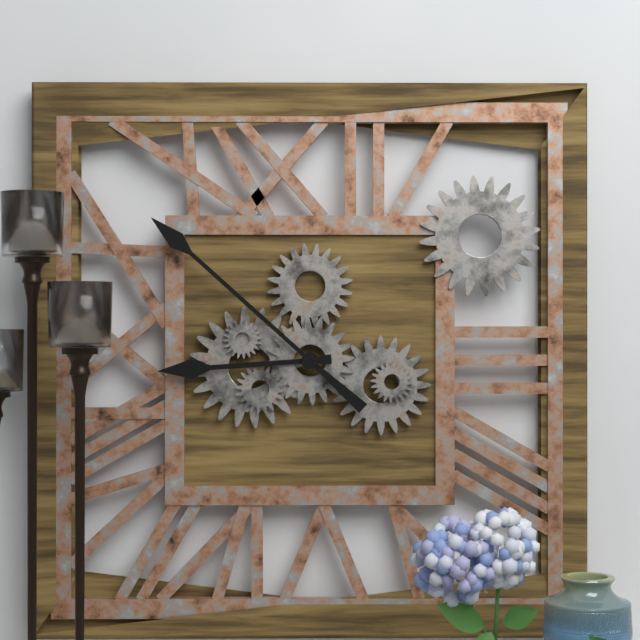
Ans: 8:52
